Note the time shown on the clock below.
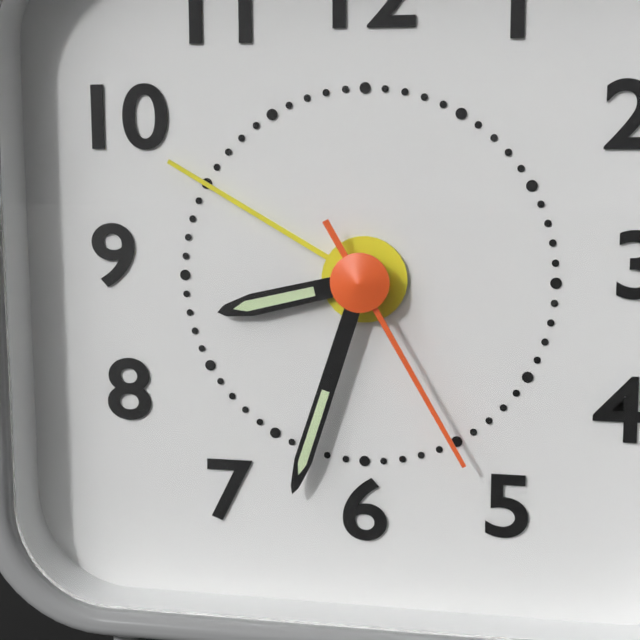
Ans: 8:33:25
